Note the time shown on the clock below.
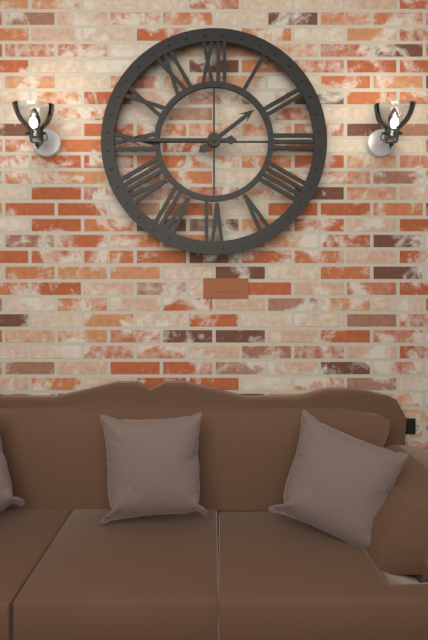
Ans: 1:45
